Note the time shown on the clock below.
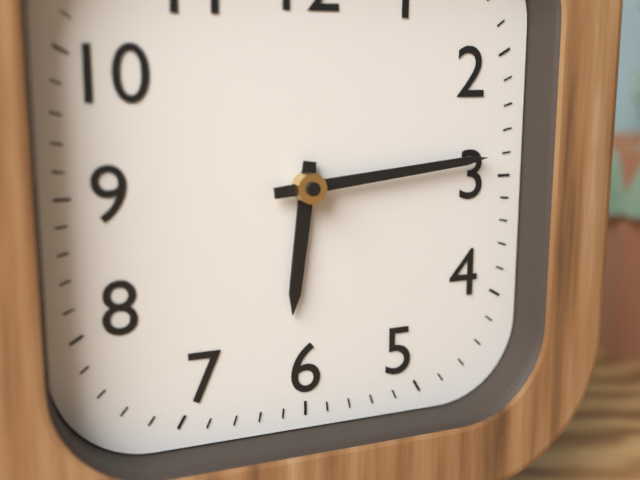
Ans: 6:14
